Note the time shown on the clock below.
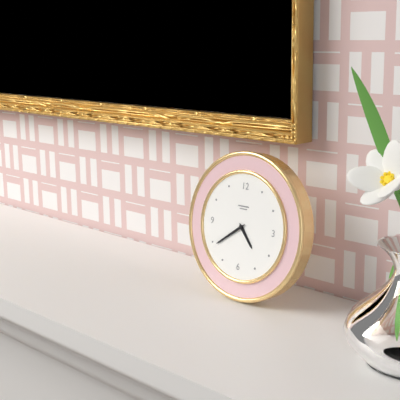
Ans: 4:39
